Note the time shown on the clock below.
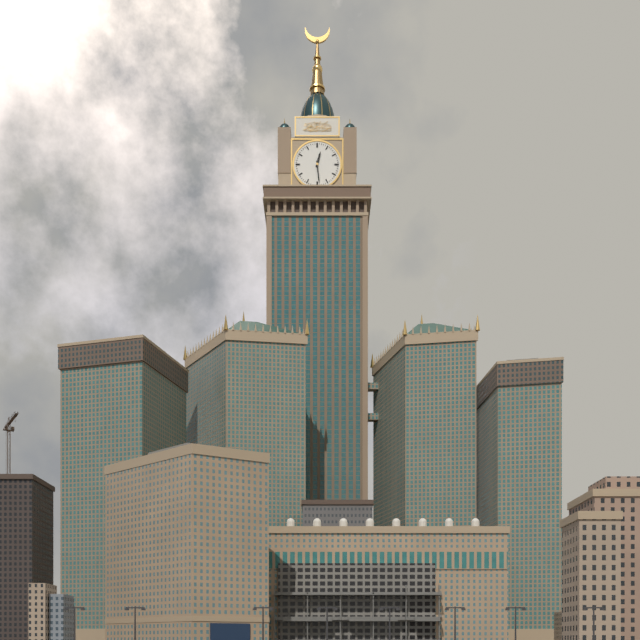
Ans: 12:29
